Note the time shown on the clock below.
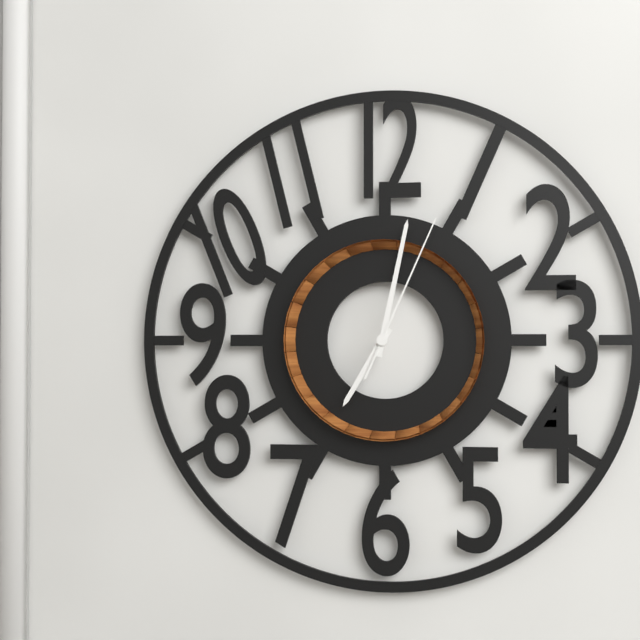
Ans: 7:02:04
